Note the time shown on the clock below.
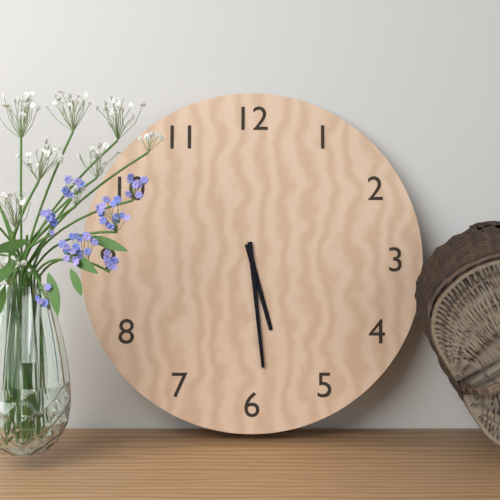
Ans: 5:29
